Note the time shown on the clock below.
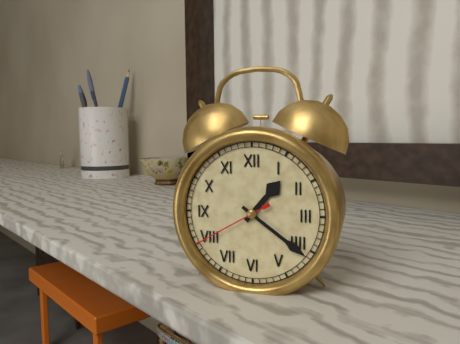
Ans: 1:21:40
